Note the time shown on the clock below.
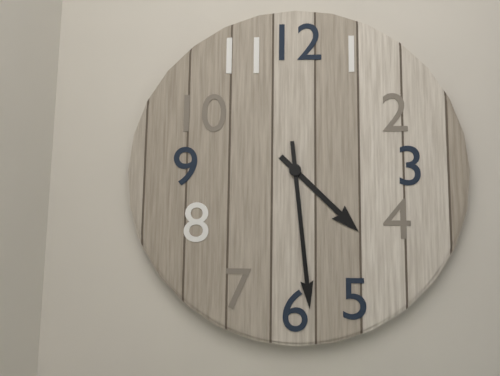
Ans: 4:29
